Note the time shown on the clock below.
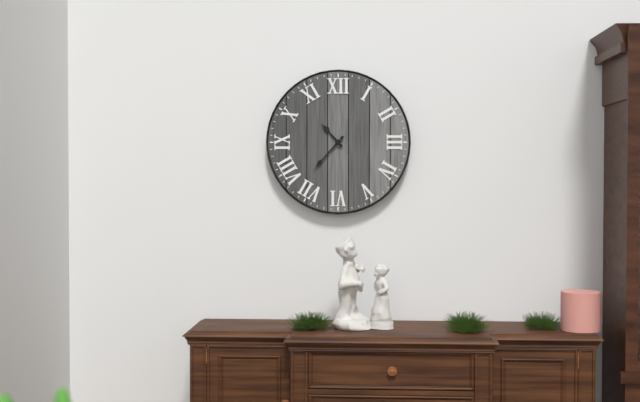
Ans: 10:37
